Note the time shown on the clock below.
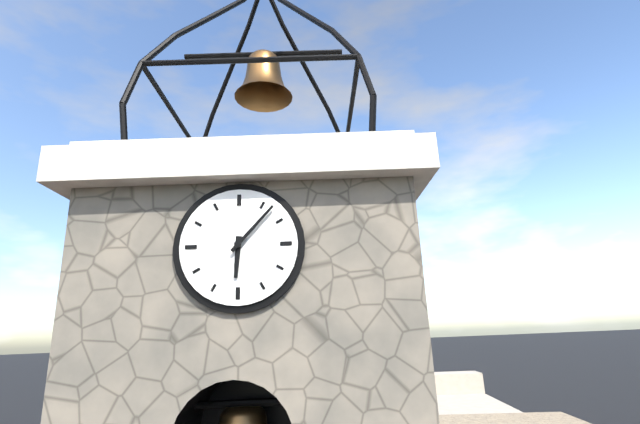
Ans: 6:07
